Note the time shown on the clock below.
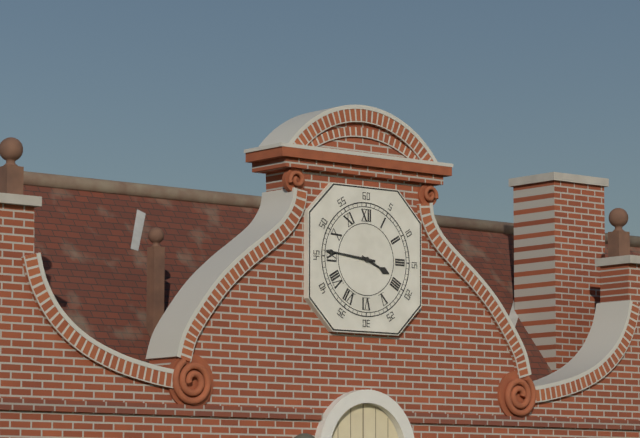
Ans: 3:46
